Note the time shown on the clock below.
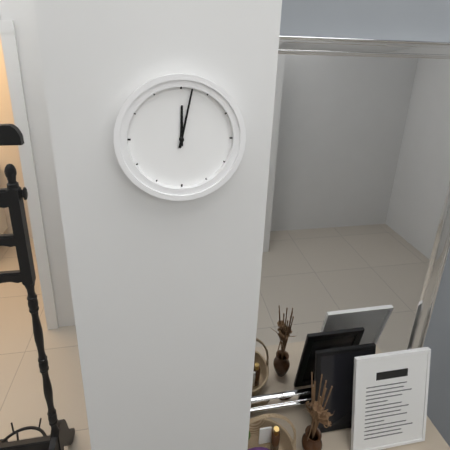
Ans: 12:02
